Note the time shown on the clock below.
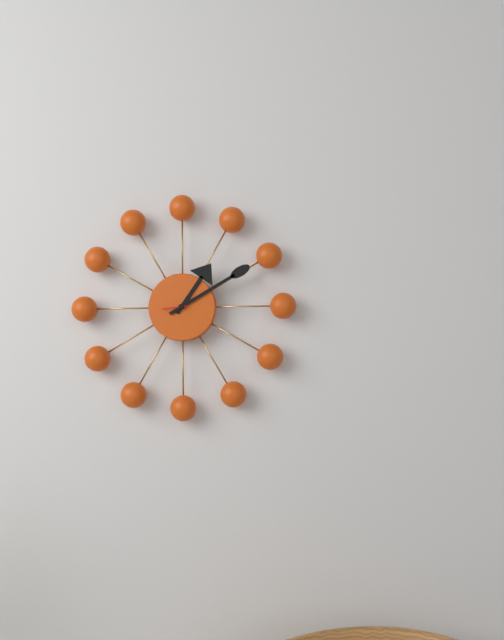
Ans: 1:10
